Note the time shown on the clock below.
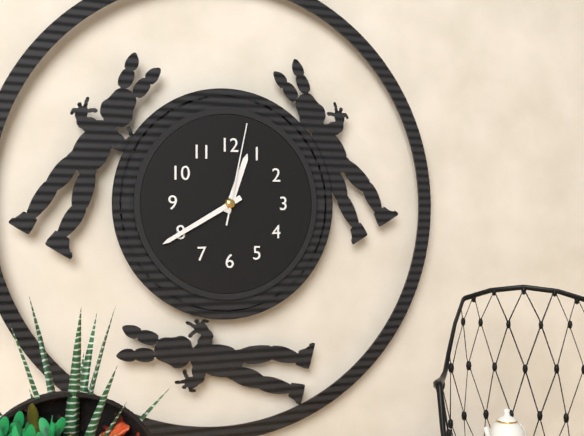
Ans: 12:40:02
